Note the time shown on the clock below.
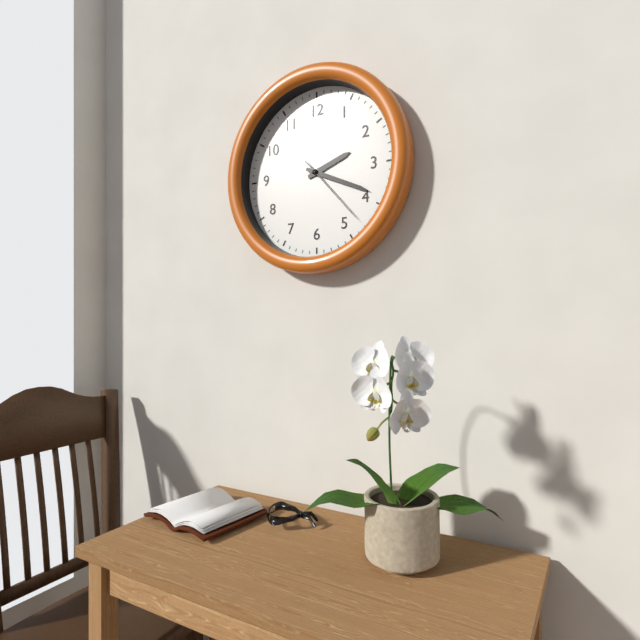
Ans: 2:19:23
